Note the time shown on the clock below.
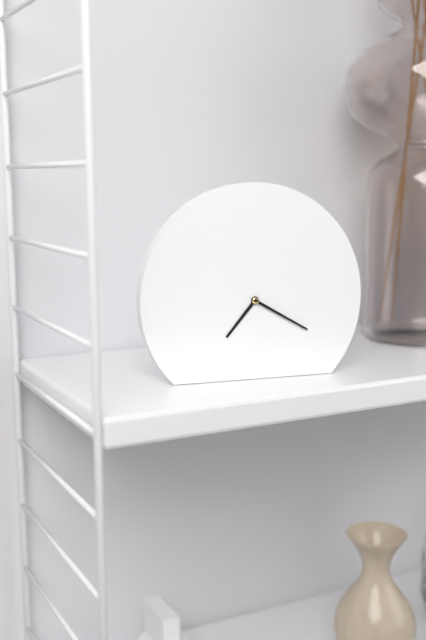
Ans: 7:20
